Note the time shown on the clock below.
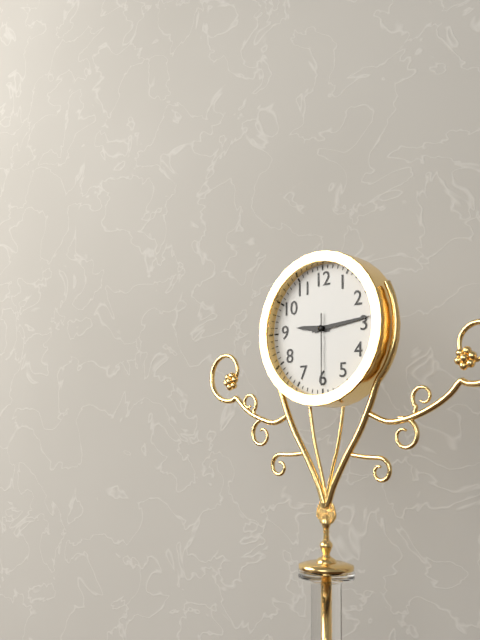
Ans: 9:14:30
